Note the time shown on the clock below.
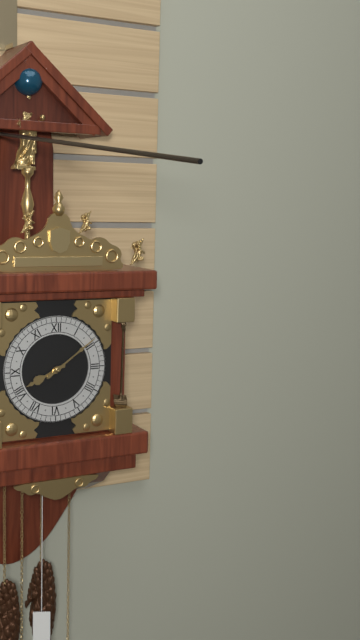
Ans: 8:09
